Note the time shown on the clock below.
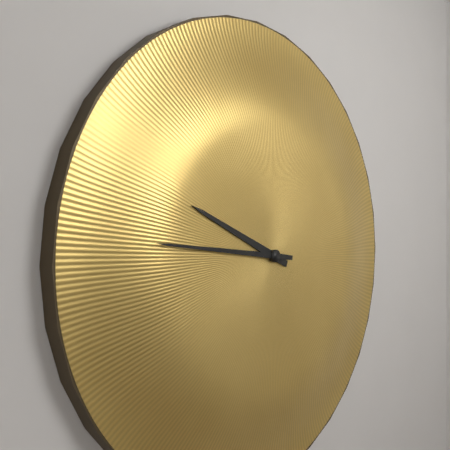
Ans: 9:46
